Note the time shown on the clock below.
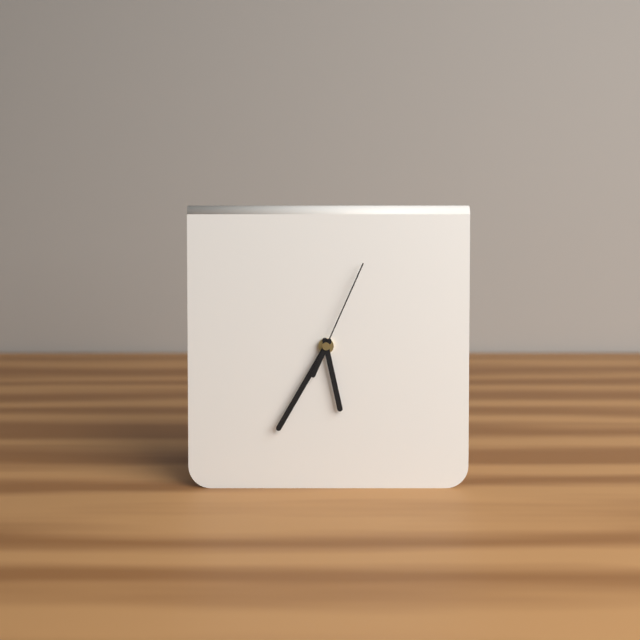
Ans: 5:35:04
